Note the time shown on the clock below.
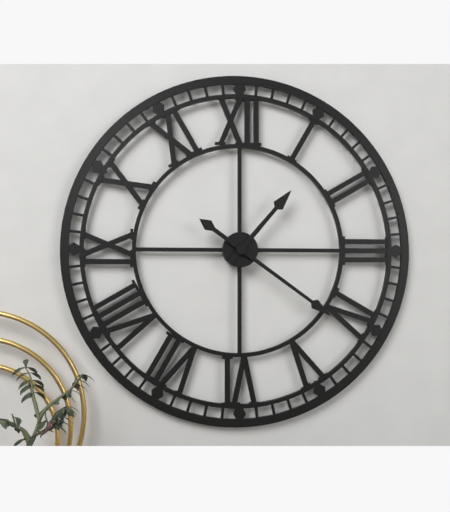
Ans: 1:21
